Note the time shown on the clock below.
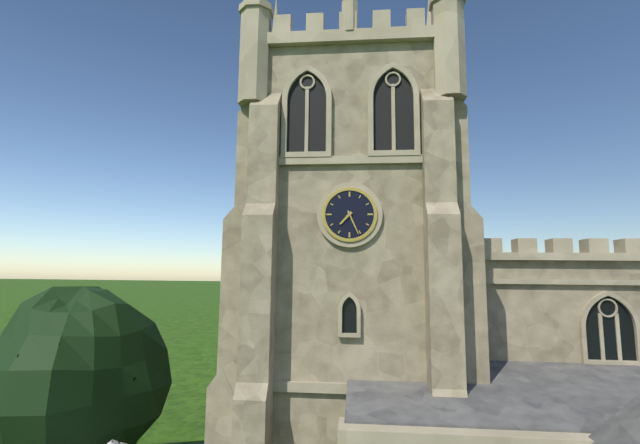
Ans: 7:26
